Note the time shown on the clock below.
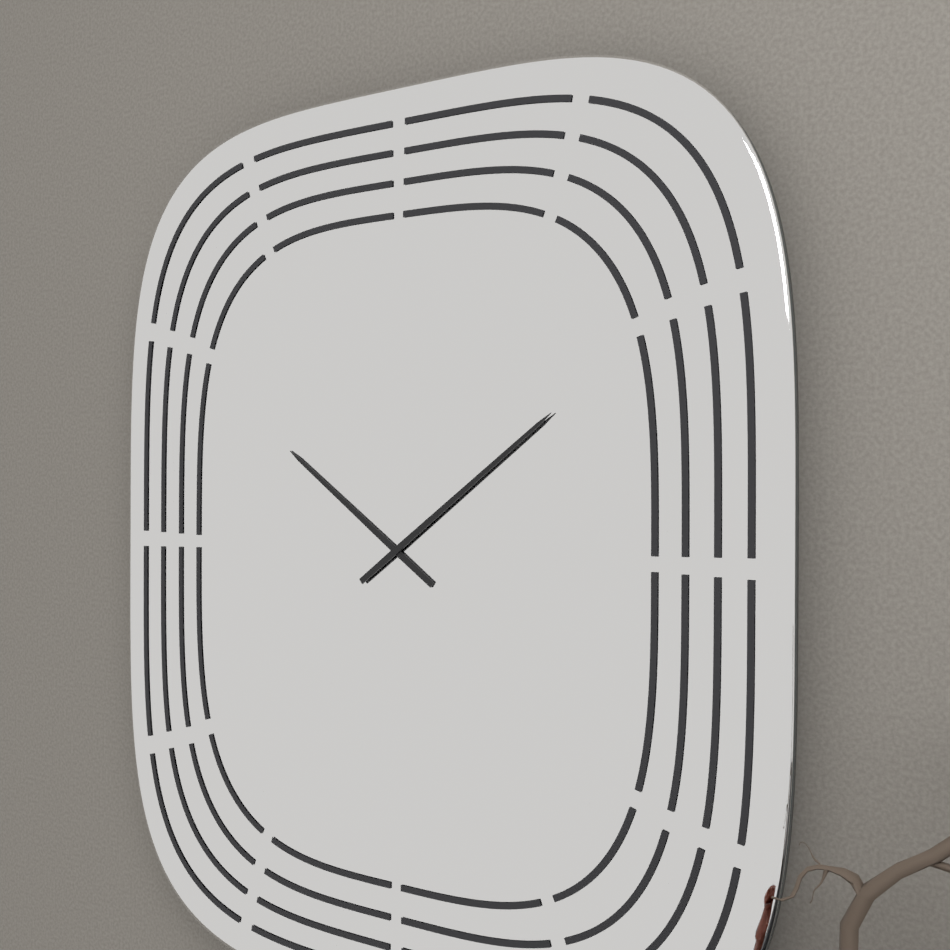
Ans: 10:09
